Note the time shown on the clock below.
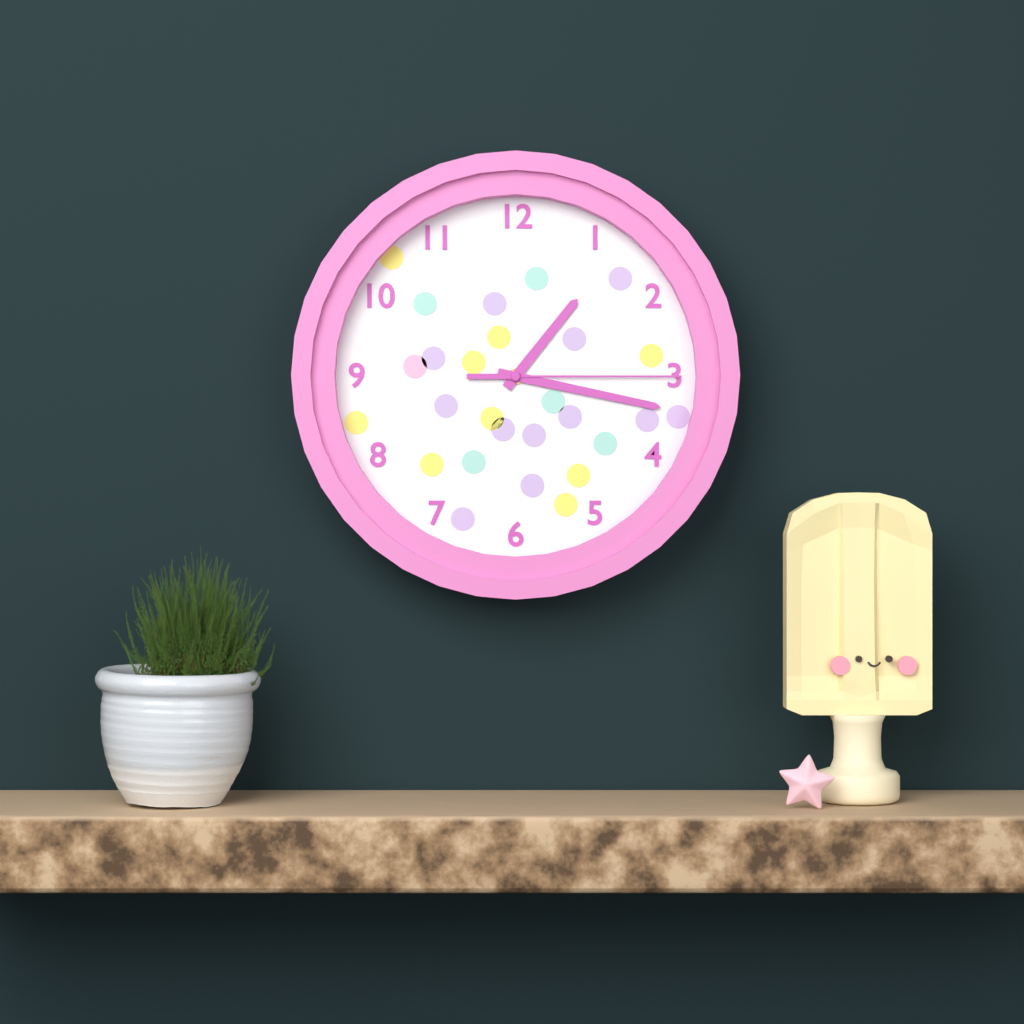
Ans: 1:17:15
